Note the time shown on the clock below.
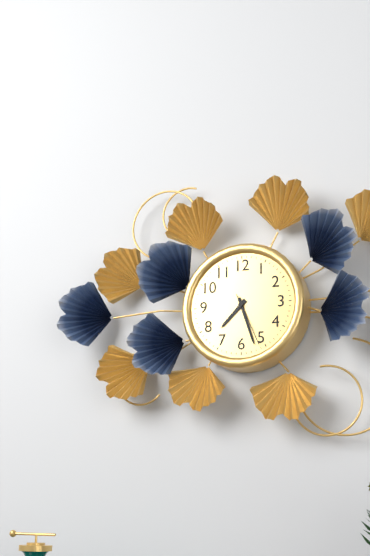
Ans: 7:27:26
